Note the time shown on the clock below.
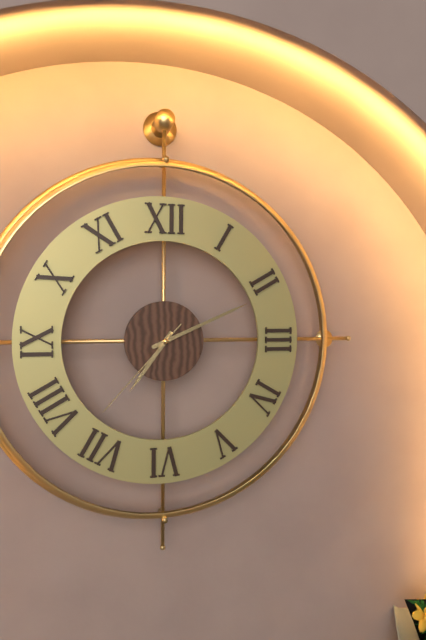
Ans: 7:11:37
